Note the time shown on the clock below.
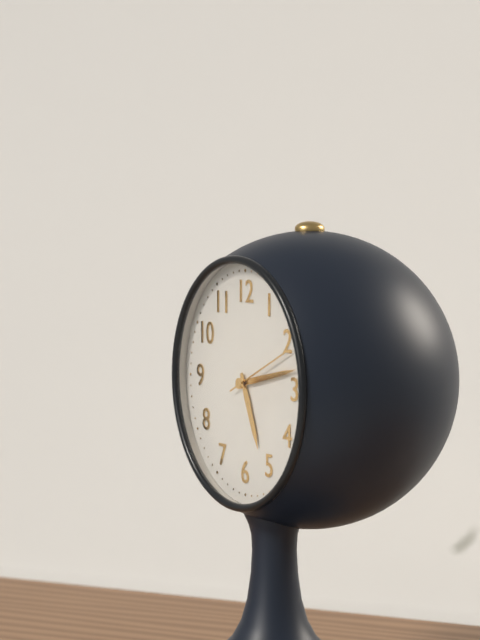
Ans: 5:13:11
